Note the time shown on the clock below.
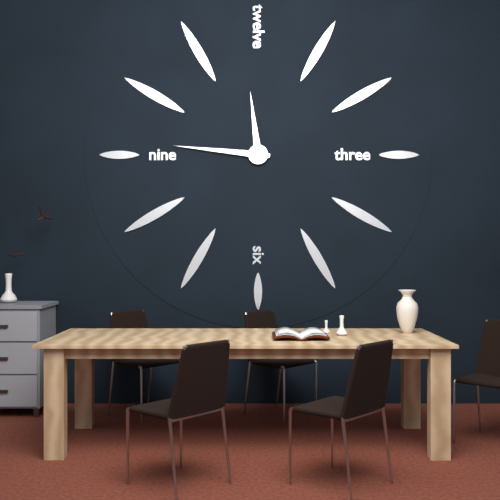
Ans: 11:46
